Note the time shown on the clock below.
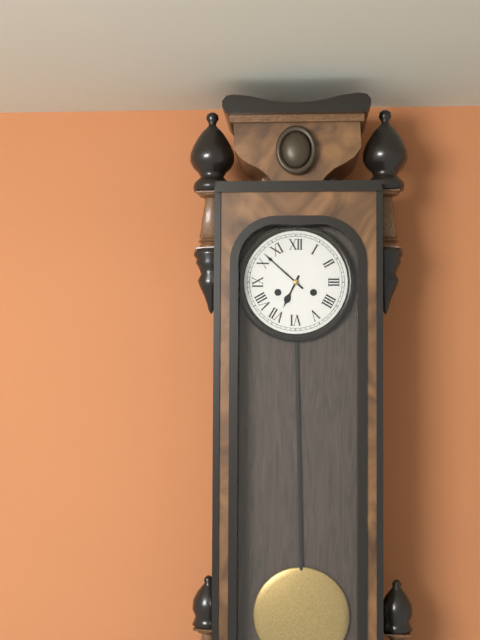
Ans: 6:52
